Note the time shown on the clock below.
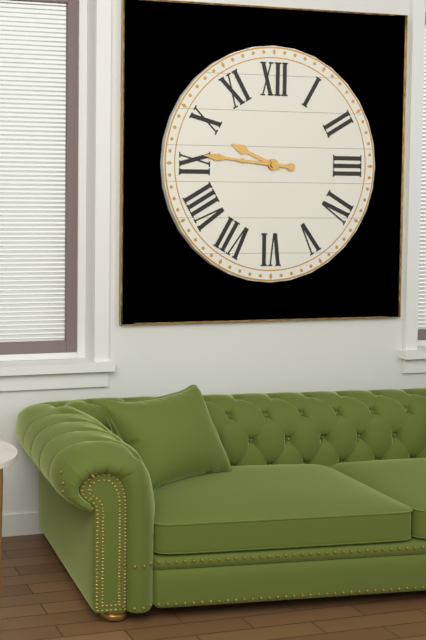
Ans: 9:46
